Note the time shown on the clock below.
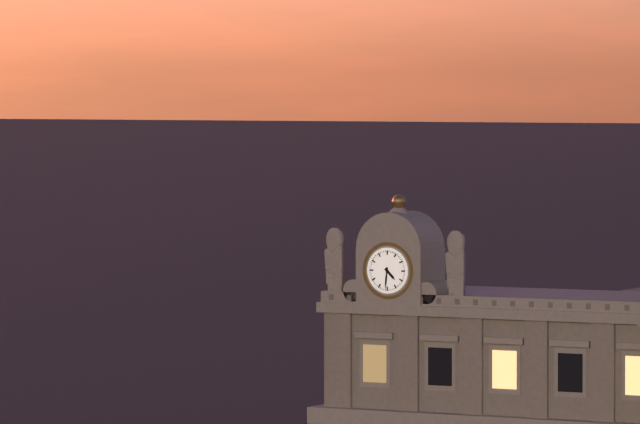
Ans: 4:31
